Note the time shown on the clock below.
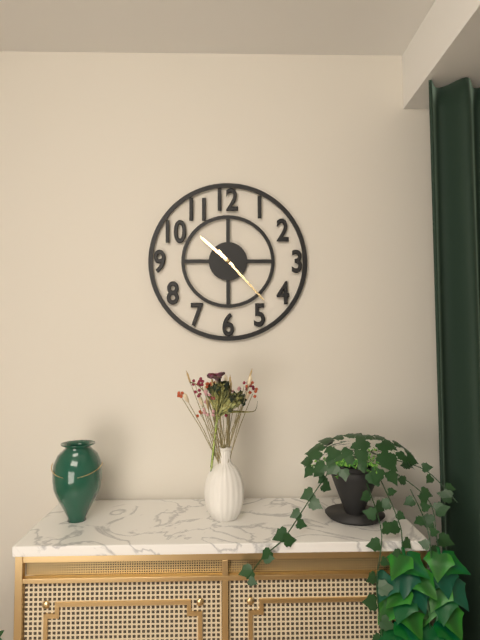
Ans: 10:23
